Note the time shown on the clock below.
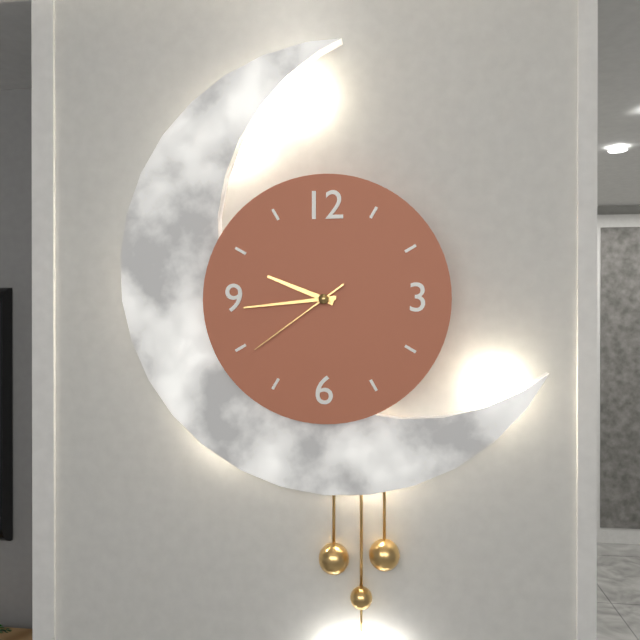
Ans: 9:44:39
